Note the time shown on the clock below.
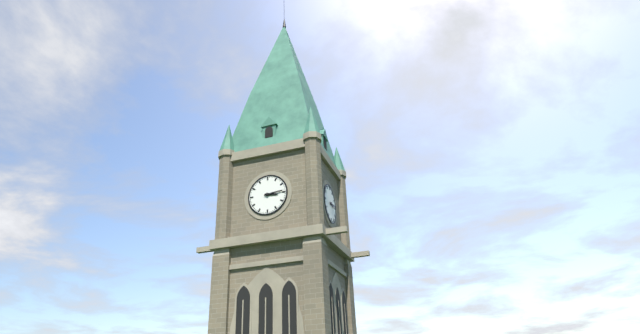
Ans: 3:14
